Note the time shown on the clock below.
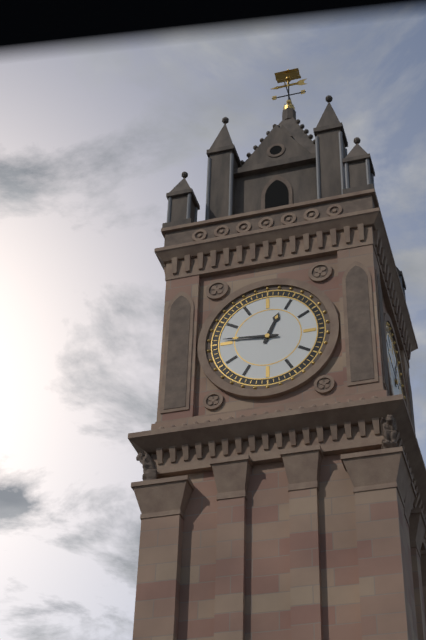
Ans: 12:46
